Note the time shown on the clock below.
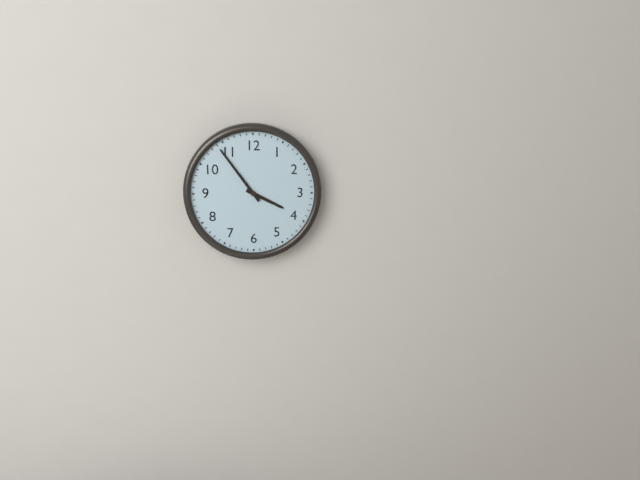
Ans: 3:54
